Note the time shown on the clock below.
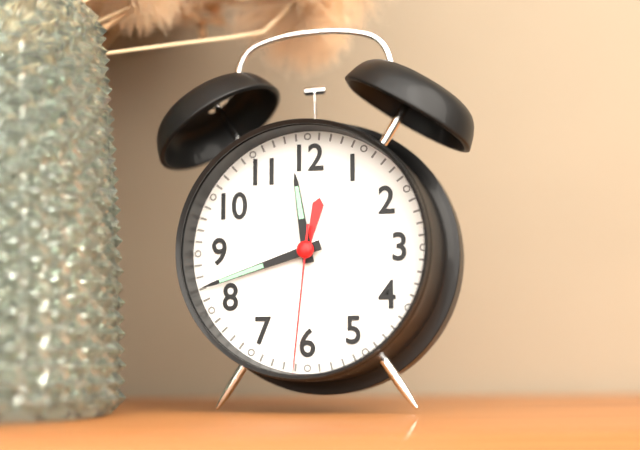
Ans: 11:42:31
